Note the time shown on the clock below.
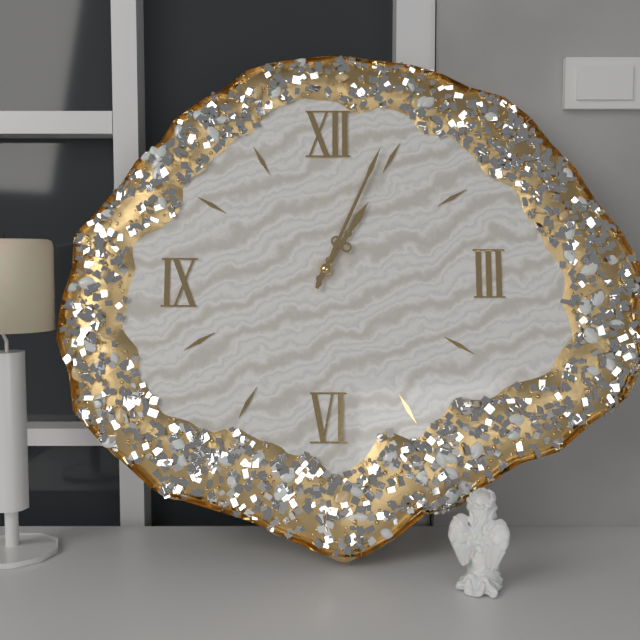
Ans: 1:04
